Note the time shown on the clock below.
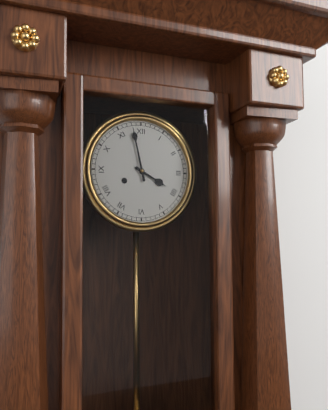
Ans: 3:58
